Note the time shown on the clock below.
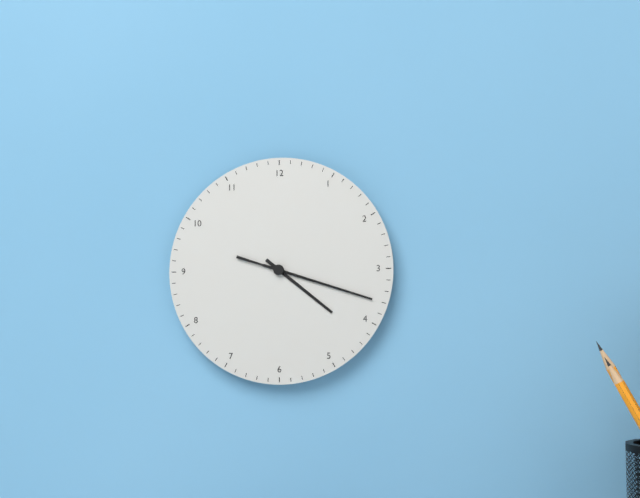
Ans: 4:18:18
